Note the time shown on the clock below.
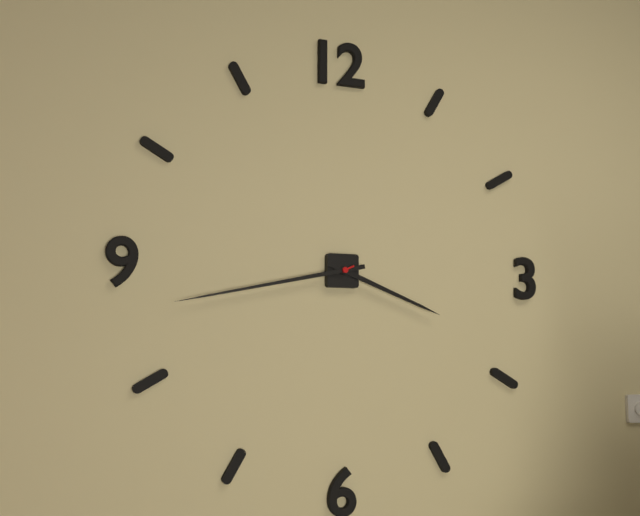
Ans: 3:43
